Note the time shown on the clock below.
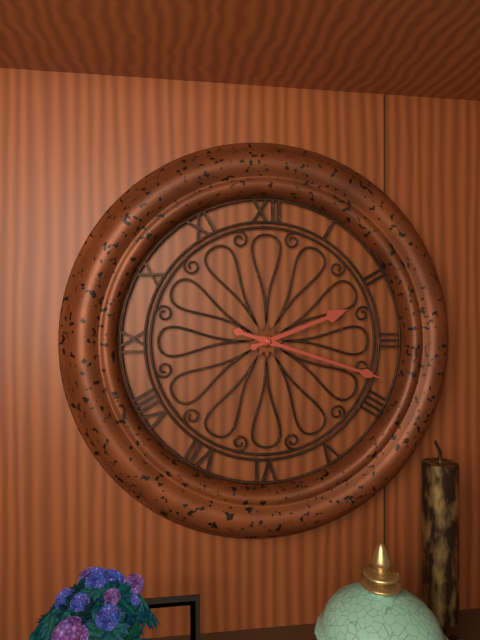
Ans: 2:18
